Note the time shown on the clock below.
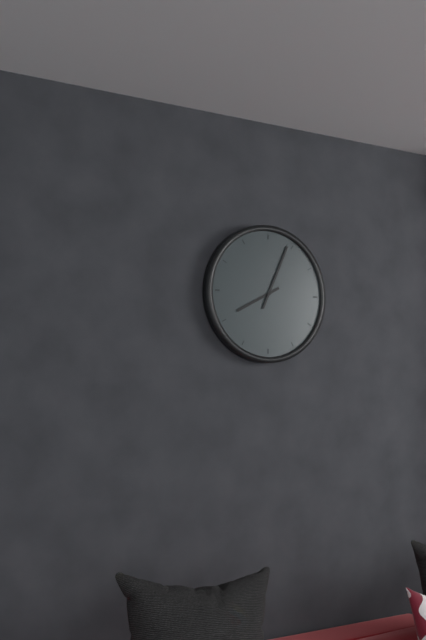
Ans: 8:04
